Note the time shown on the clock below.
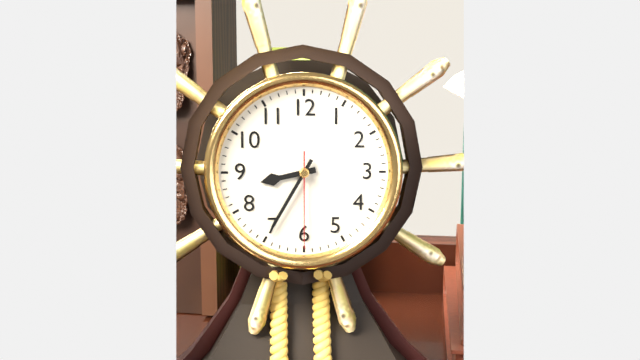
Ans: 8:35:30
